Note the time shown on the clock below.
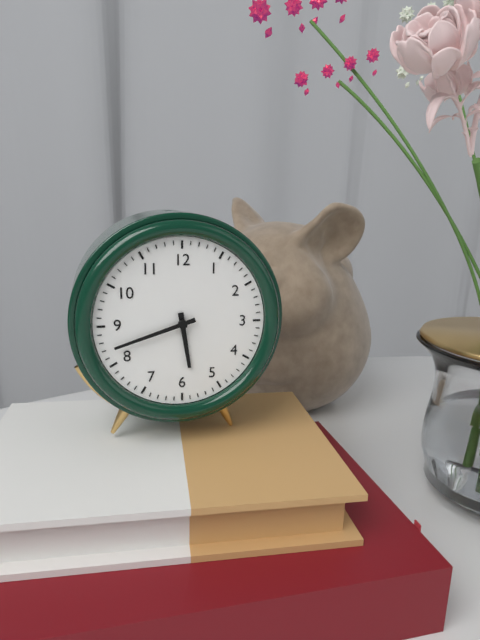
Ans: 5:42
